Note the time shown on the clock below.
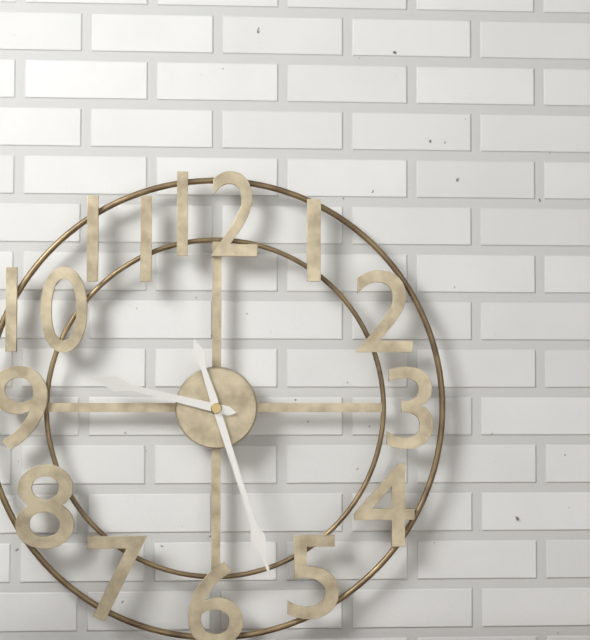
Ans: 9:27
